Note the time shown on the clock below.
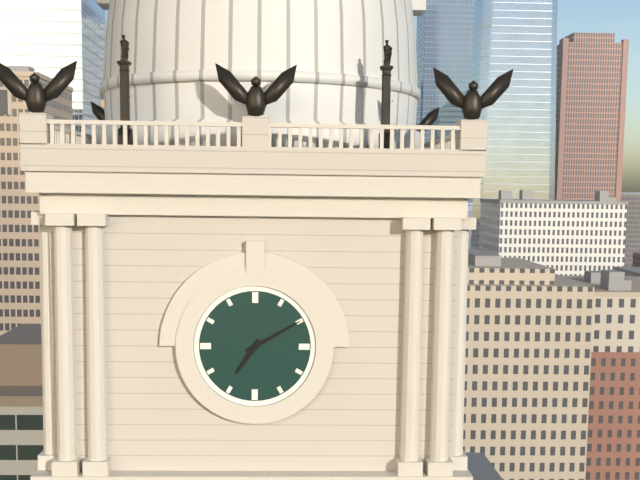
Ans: 7:10
